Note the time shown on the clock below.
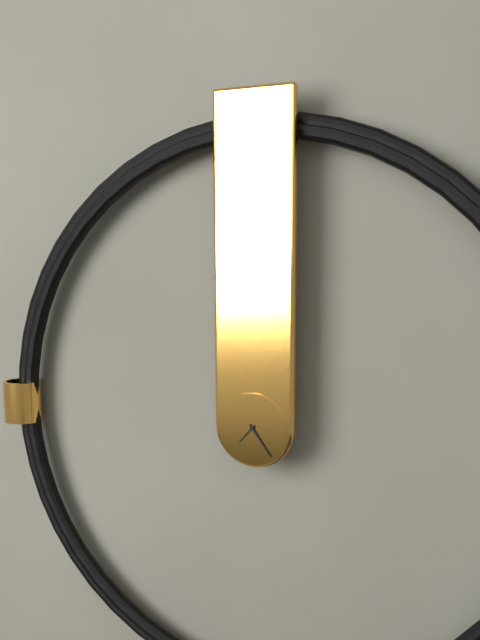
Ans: 7:24
